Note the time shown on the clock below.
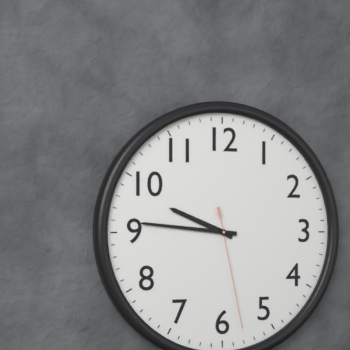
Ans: 9:46:28
